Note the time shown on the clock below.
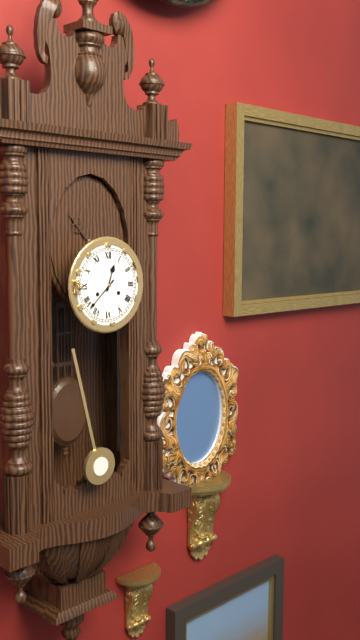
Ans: 12:38
